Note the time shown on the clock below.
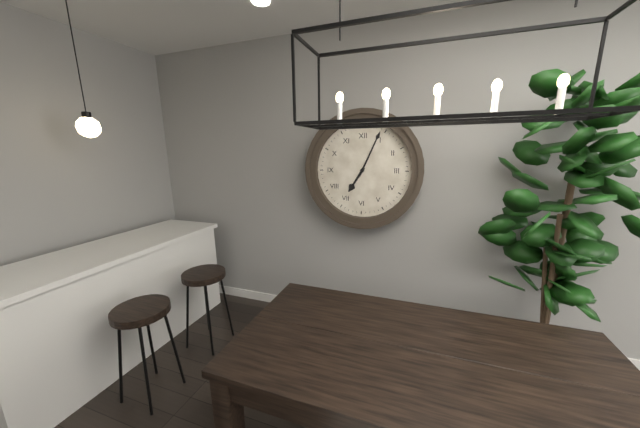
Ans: 7:04
